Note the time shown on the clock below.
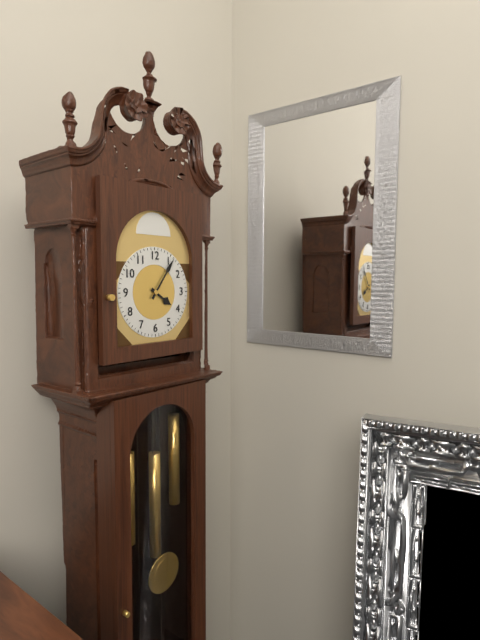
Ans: 4:06
